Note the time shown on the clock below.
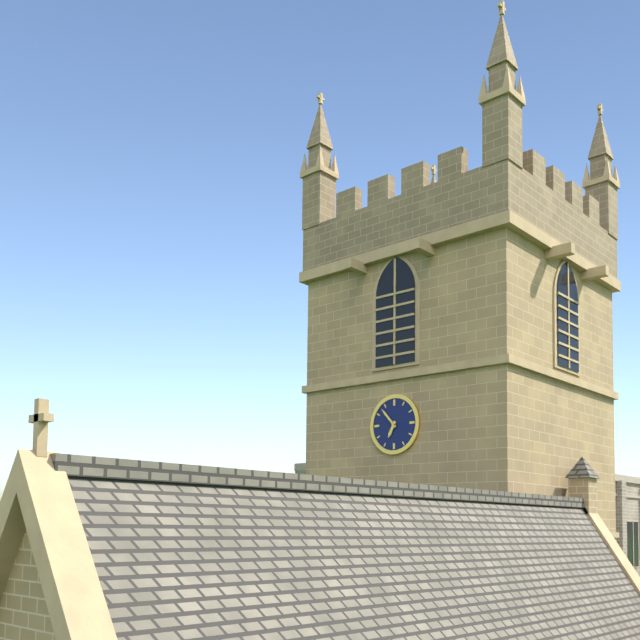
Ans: 6:53
